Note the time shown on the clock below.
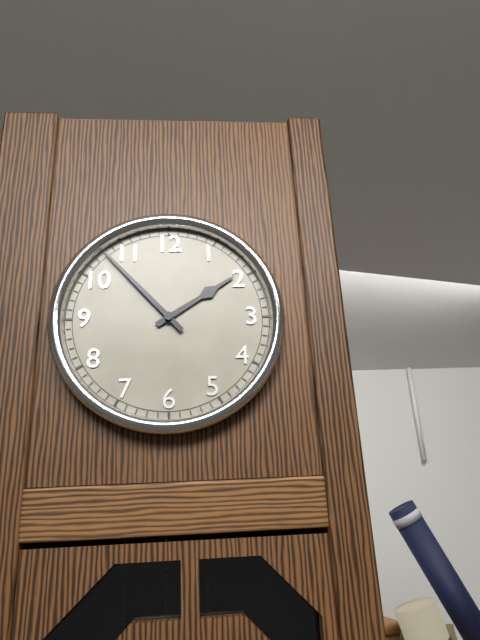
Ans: 1:53
